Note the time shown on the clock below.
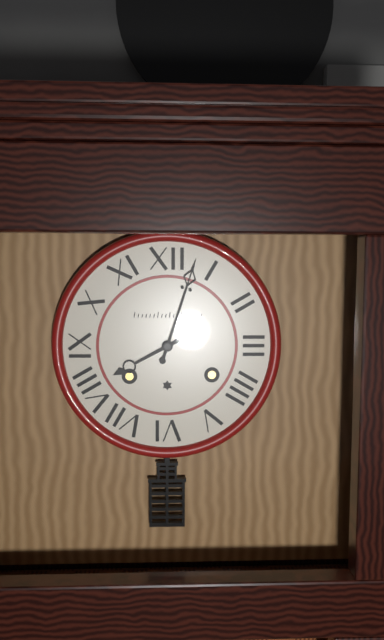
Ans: 8:03
